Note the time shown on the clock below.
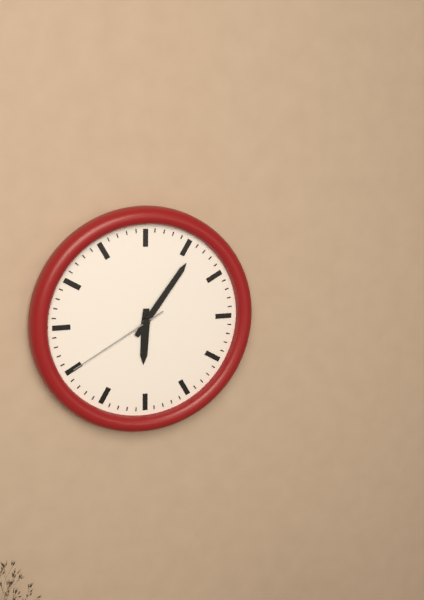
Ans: 6:06:40
